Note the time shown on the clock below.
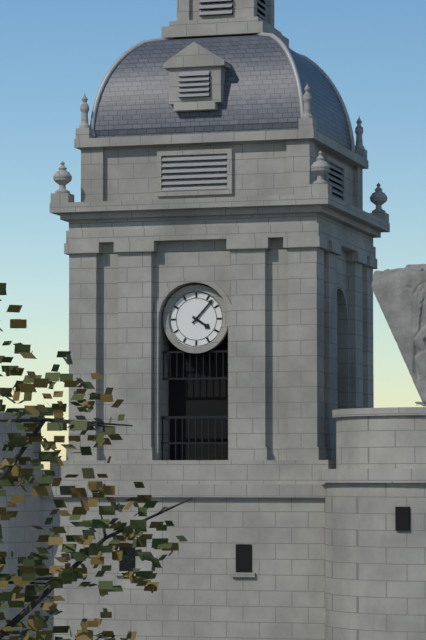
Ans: 4:07
